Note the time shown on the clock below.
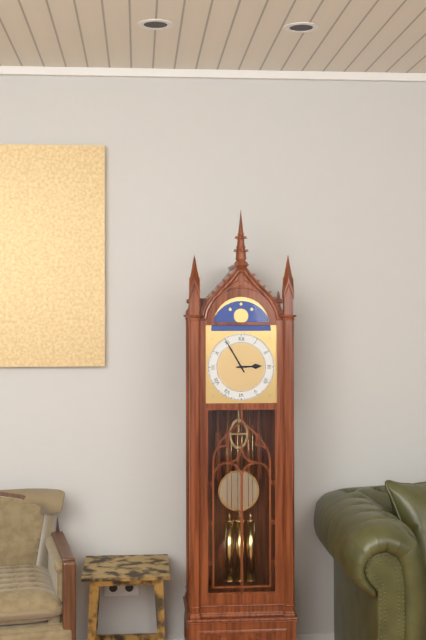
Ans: 2:55
